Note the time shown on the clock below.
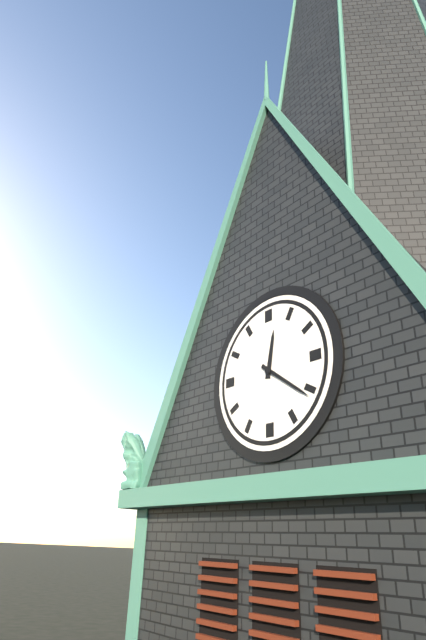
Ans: 12:21
